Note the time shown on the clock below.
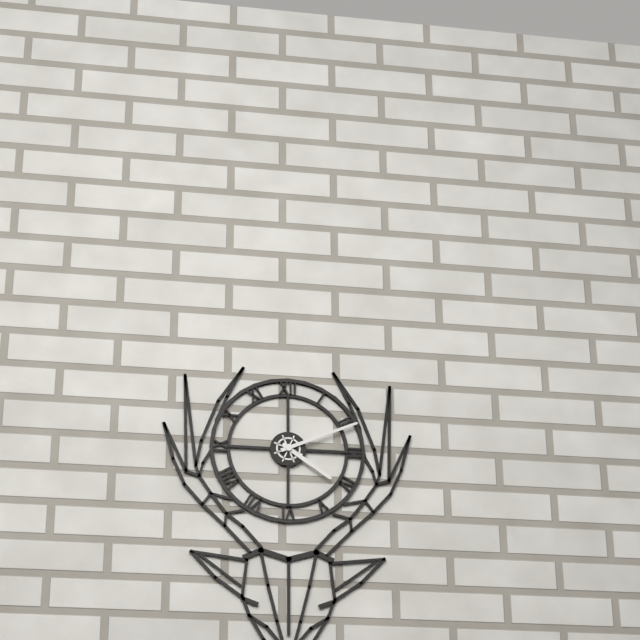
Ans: 4:11
